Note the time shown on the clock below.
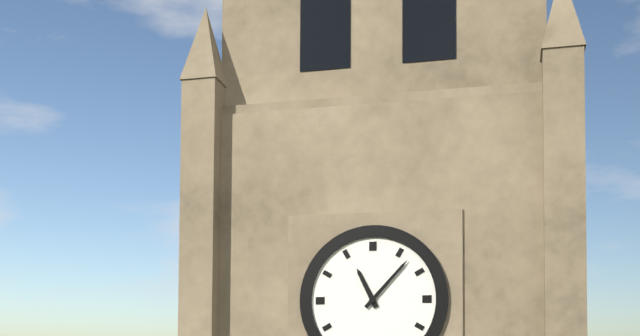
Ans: 11:07
